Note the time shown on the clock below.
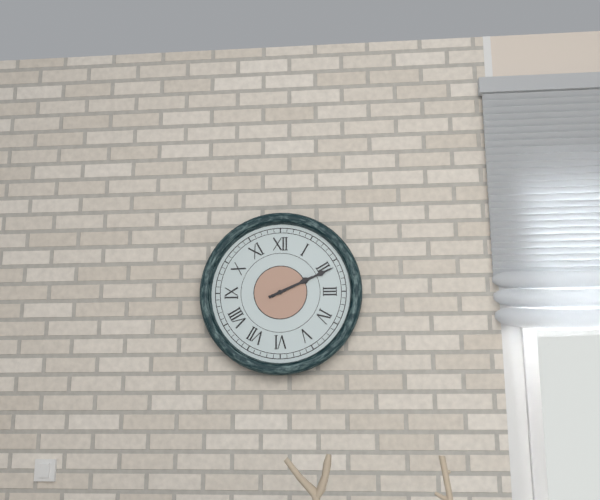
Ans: 2:11
